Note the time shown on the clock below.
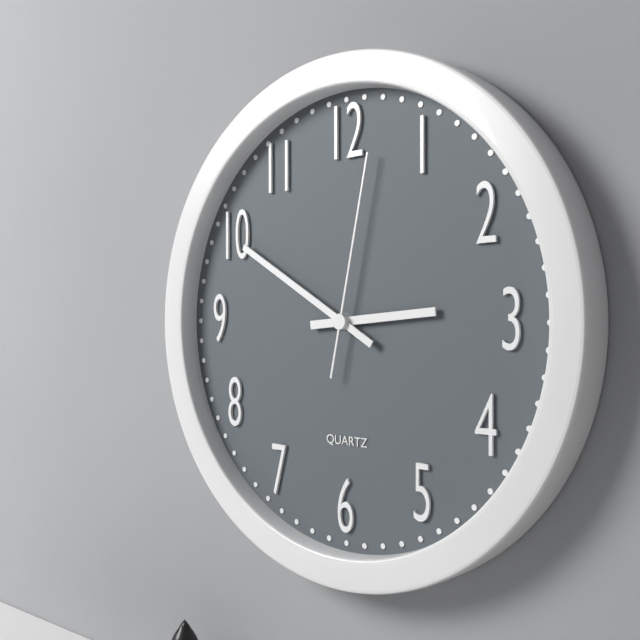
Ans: 2:50:02
